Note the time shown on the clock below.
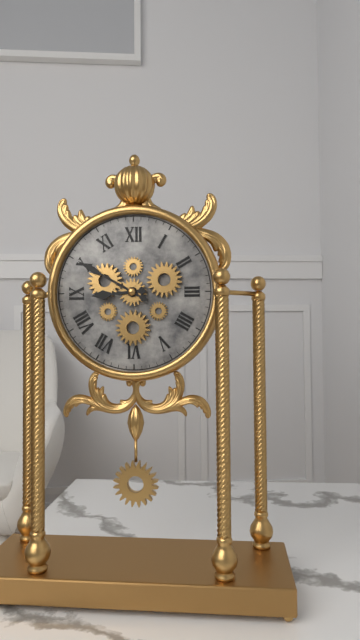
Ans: 8:50
